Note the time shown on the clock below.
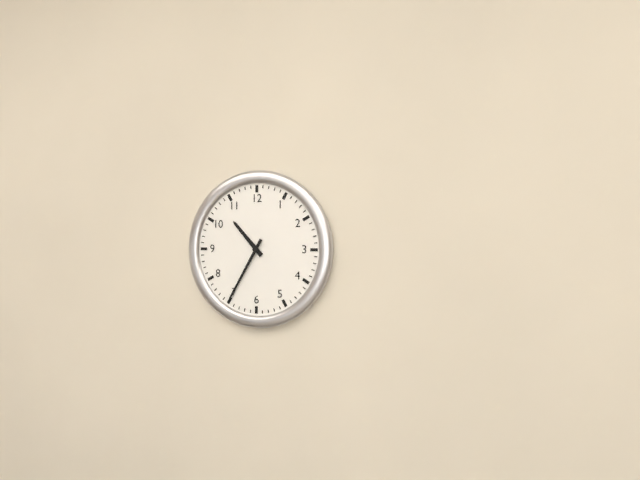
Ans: 10:35
